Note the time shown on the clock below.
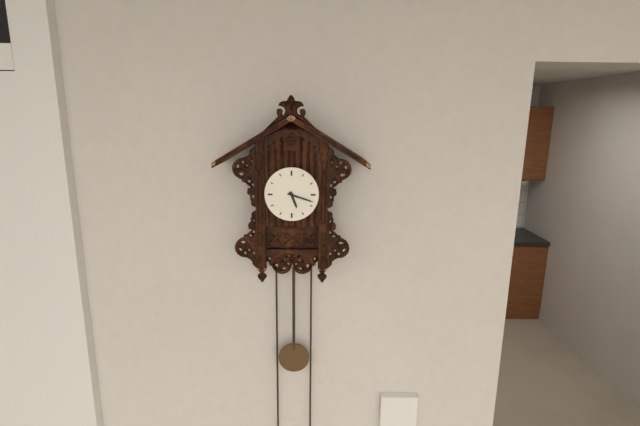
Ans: 5:18
